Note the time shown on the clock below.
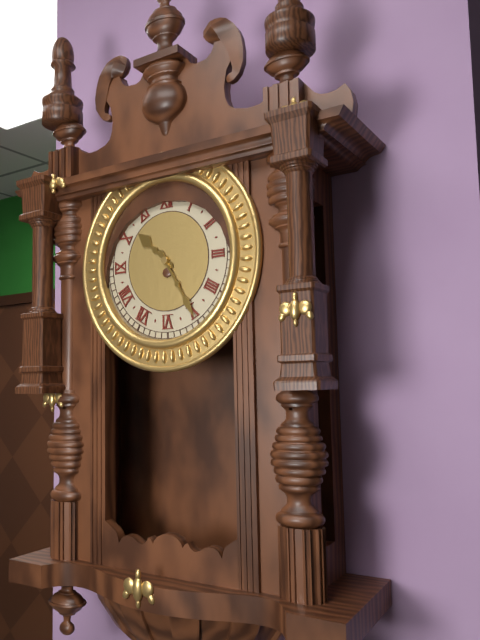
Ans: 10:25
